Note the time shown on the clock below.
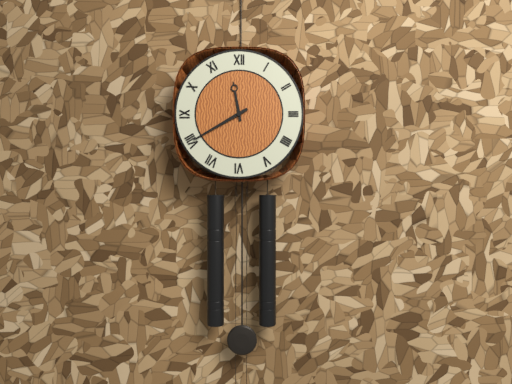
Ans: 11:40
